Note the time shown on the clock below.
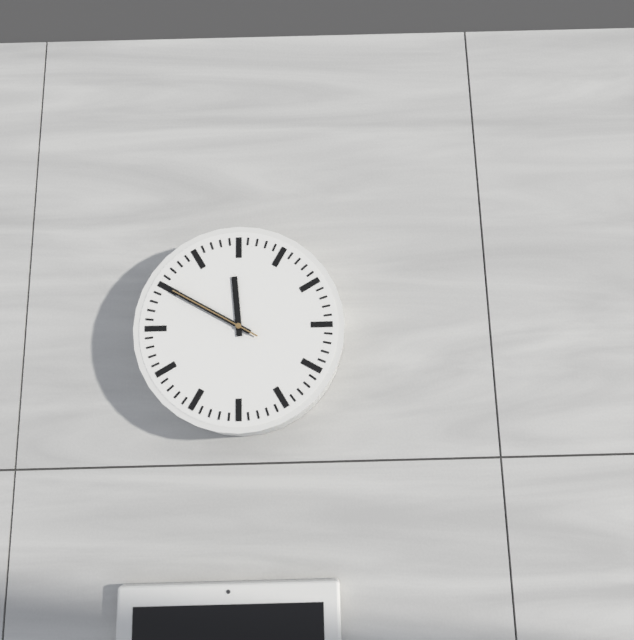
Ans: 11:50:50
